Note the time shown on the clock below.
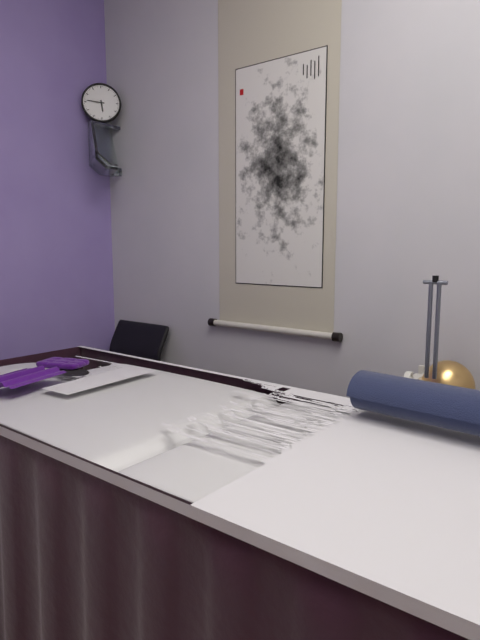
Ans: 5:46
